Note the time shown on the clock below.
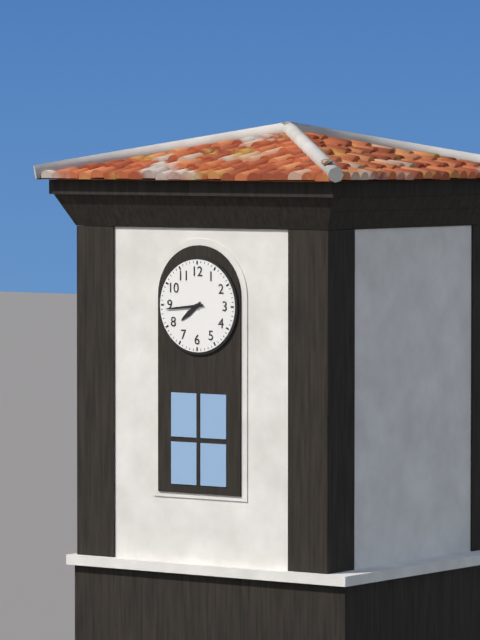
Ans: 7:44
